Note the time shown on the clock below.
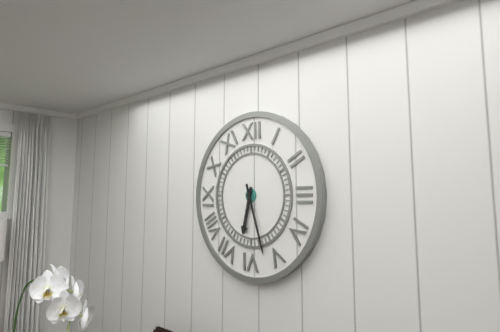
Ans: 6:27
